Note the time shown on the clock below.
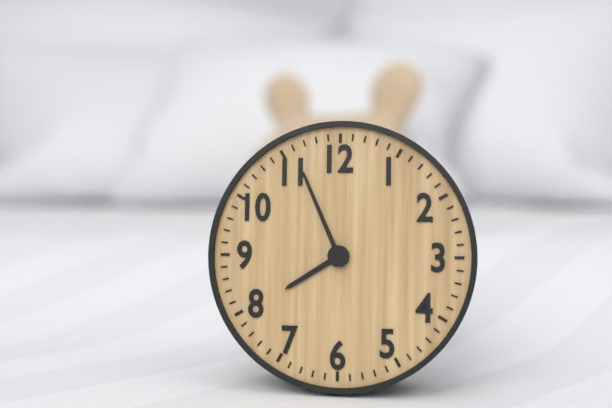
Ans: 7:56
